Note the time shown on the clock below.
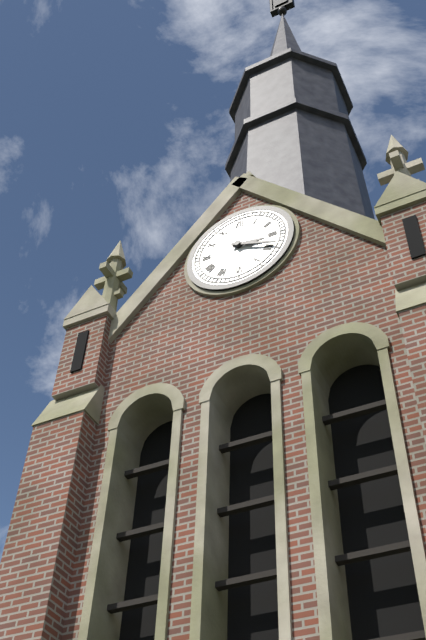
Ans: 3:19
